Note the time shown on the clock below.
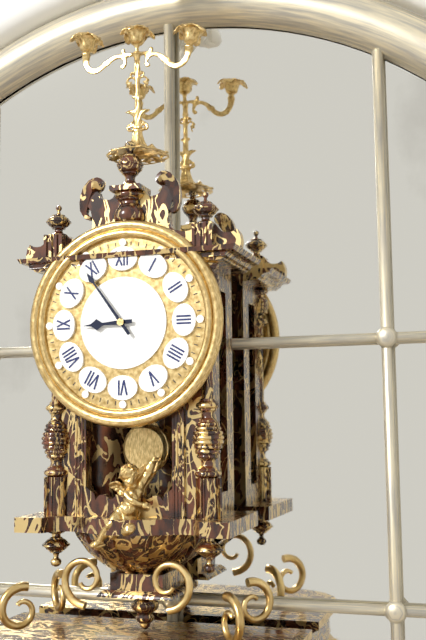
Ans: 8:54
